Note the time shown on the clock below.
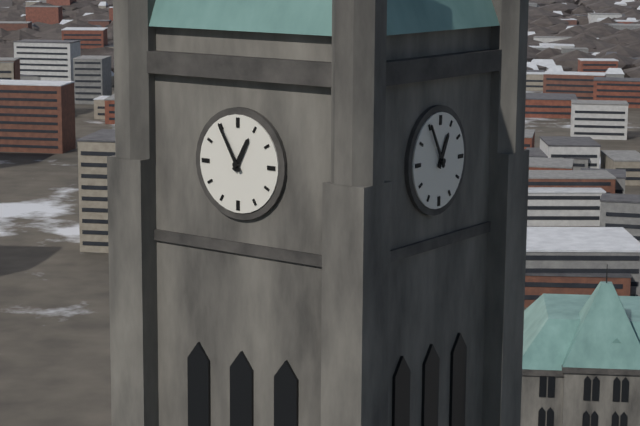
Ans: 12:55
